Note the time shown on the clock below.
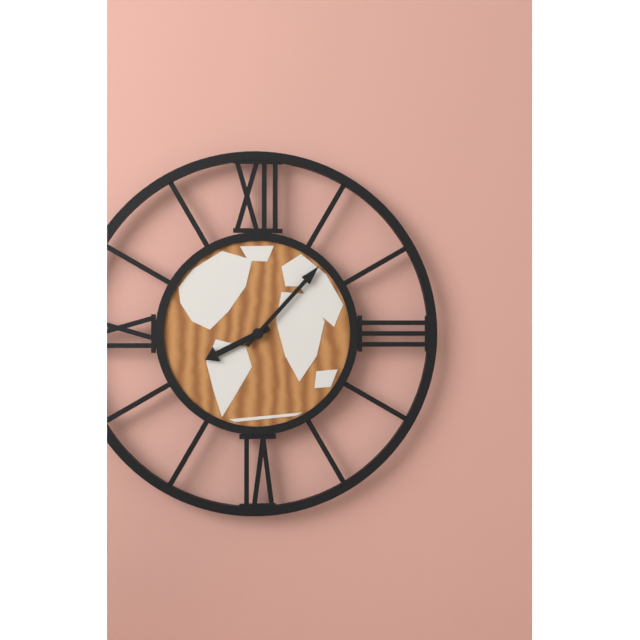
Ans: 8:07
